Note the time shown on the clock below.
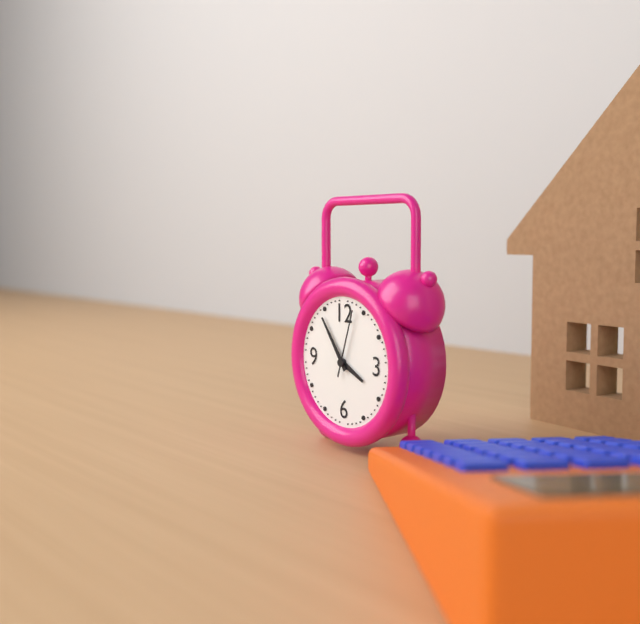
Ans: 3:54:03
